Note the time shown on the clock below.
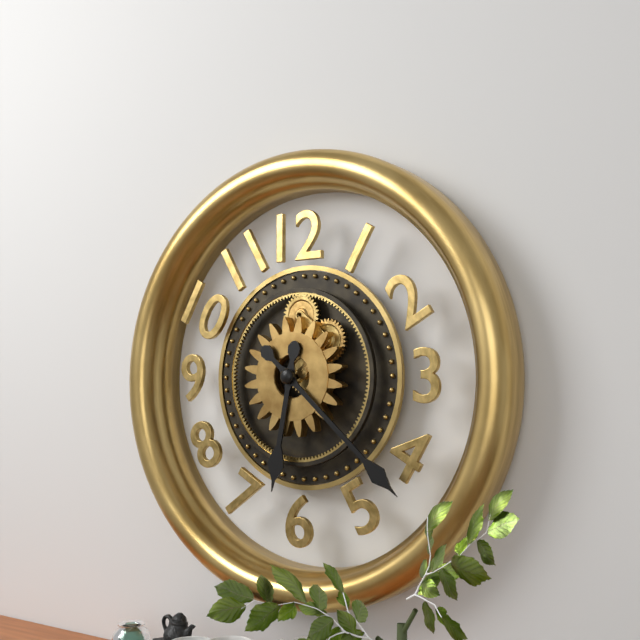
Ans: 6:22
